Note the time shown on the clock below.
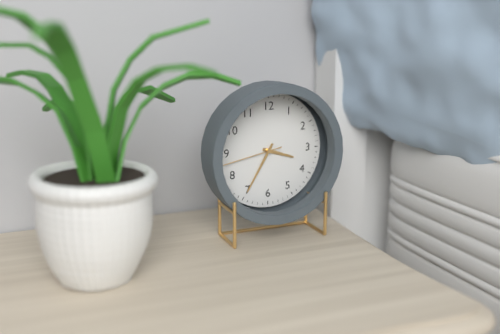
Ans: 3:35:43
